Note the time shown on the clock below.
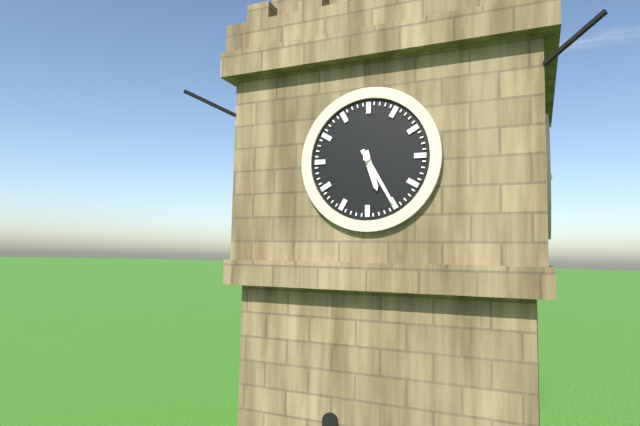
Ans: 5:25
